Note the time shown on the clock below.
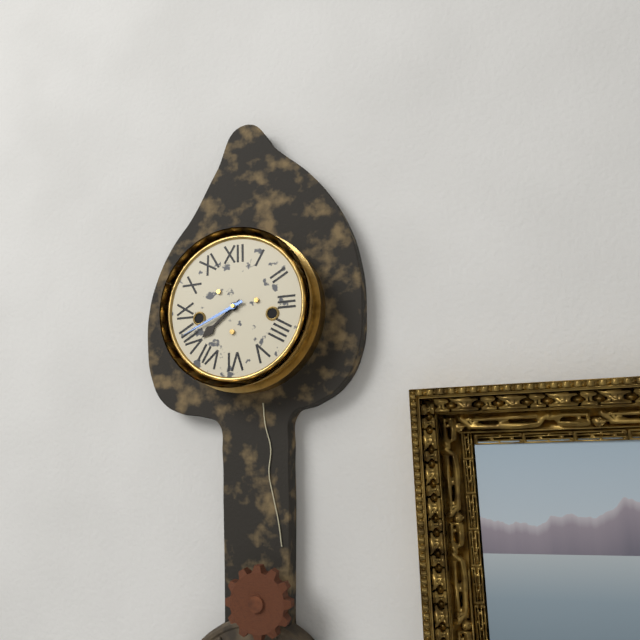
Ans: 7:41
